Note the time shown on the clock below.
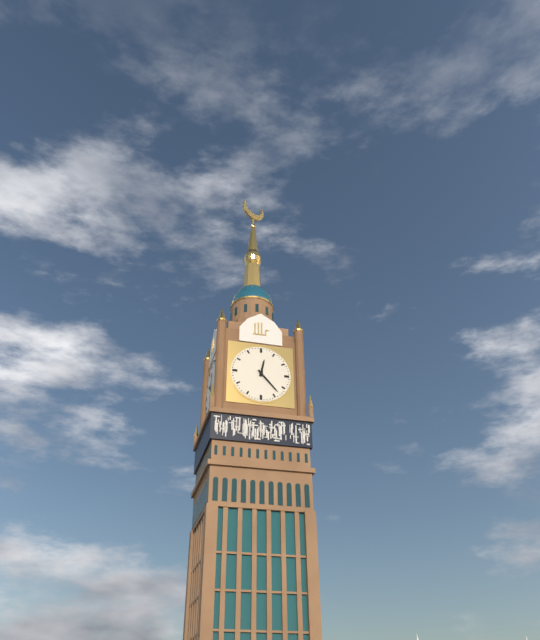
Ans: 12:23
